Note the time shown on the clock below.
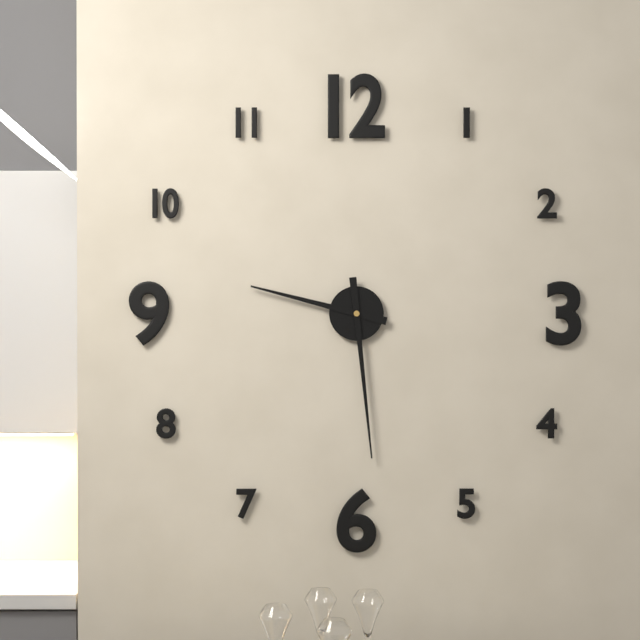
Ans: 9:29
